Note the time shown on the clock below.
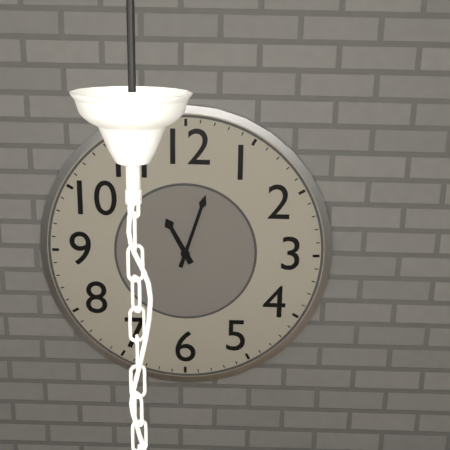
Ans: 11:03
